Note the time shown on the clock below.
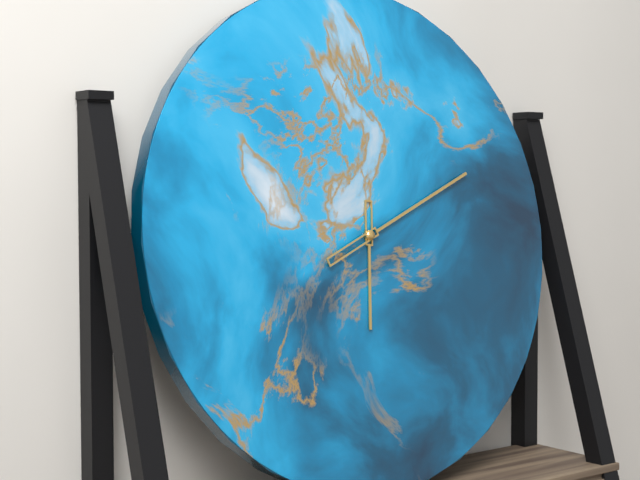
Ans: 6:11
